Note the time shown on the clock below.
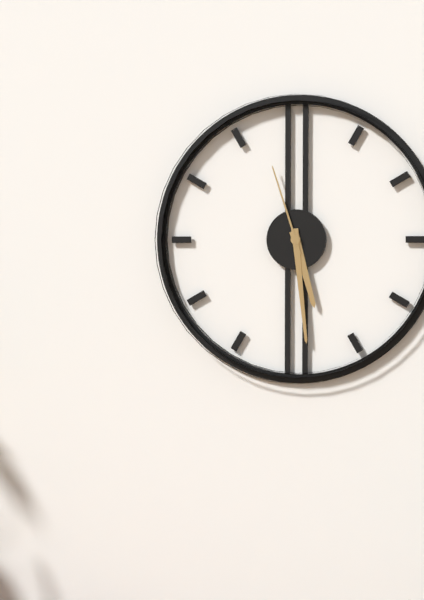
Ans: 5:29:57
